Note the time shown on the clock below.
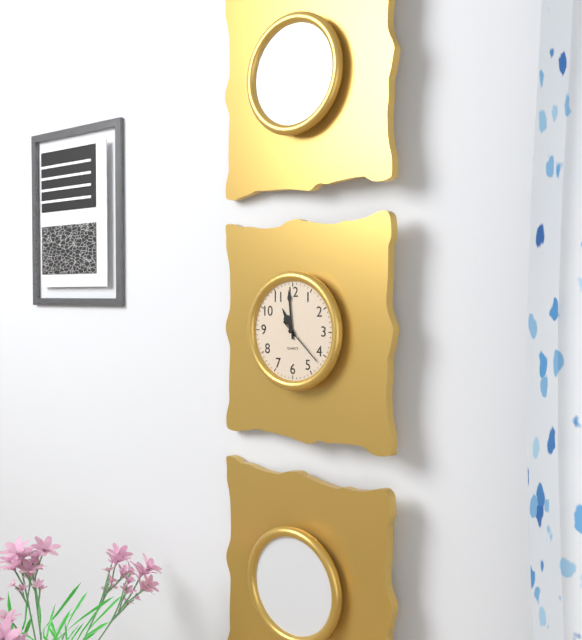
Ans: 10:59:22
